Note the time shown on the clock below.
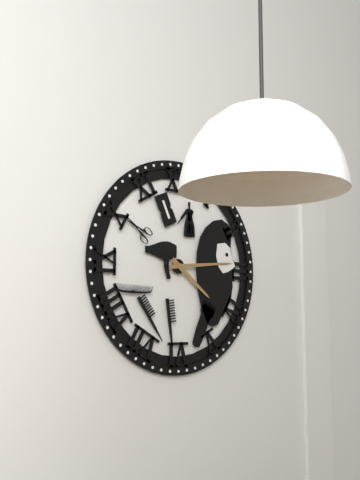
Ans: 4:14
